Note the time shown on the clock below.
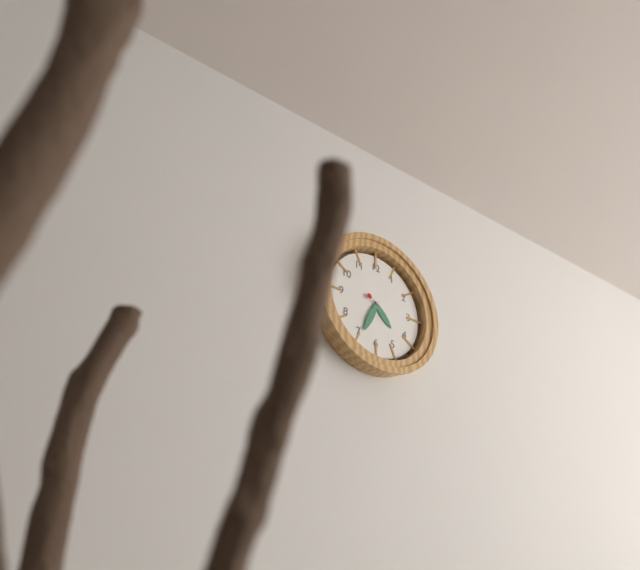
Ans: 4:34
